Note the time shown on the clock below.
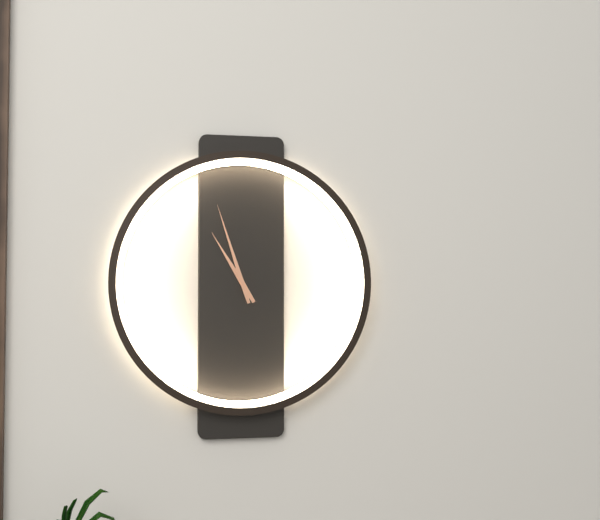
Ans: 10:57
